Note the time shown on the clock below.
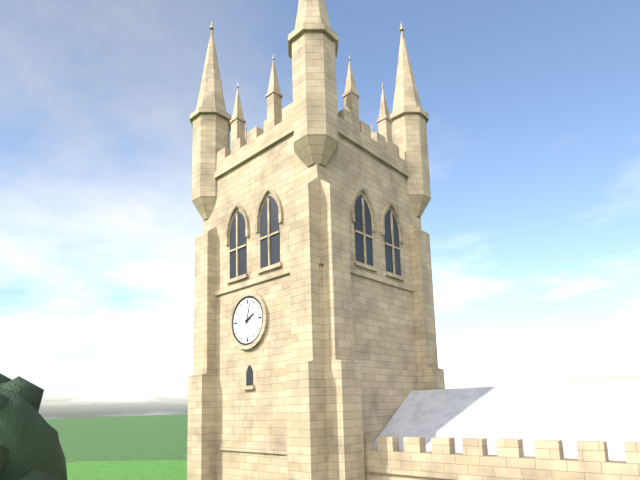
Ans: 2:03
